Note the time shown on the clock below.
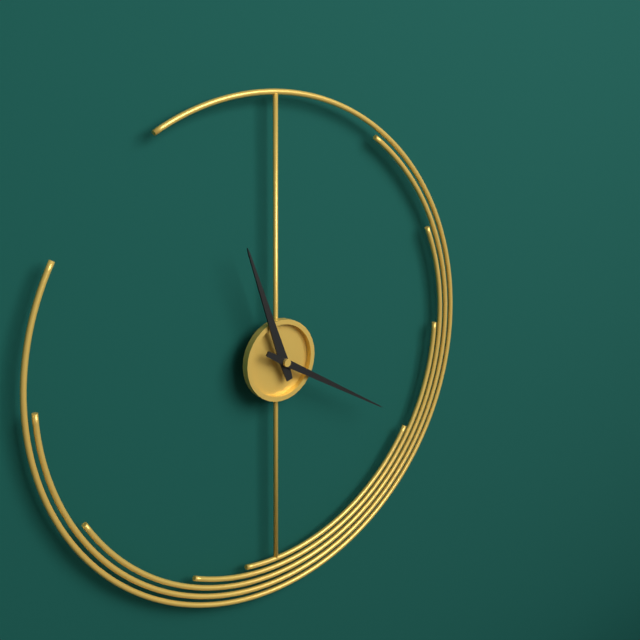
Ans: 11:20
